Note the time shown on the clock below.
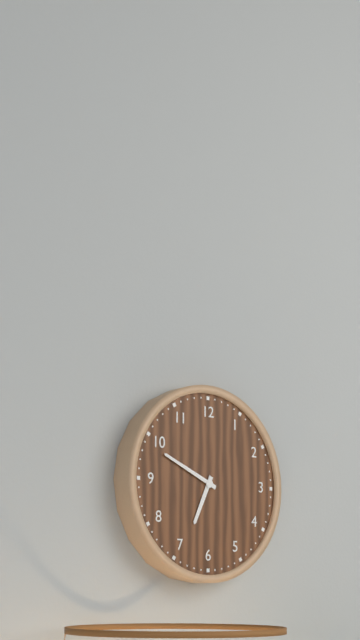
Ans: 6:49
